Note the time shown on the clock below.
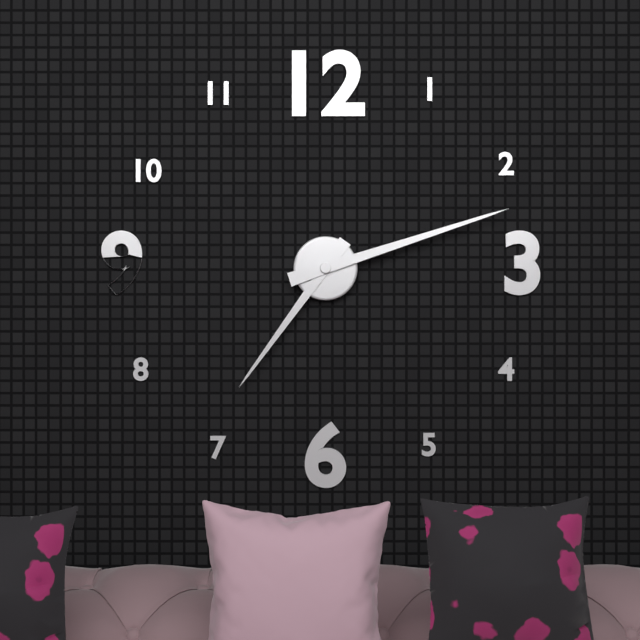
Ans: 7:12
